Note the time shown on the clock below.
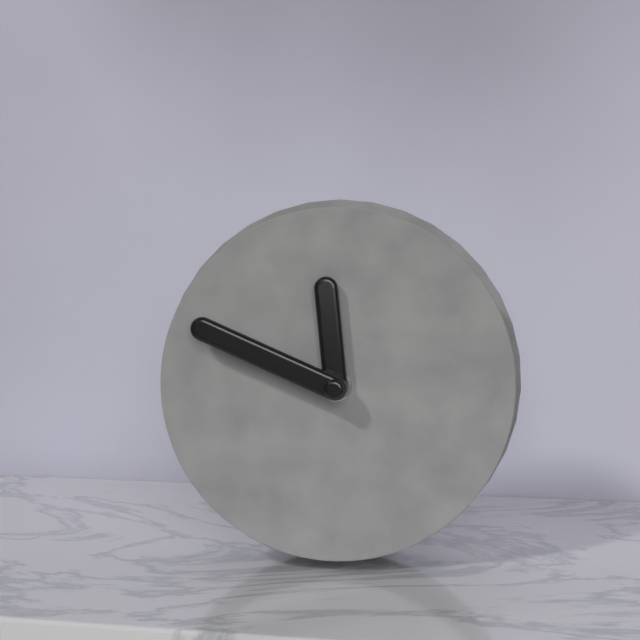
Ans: 11:49
